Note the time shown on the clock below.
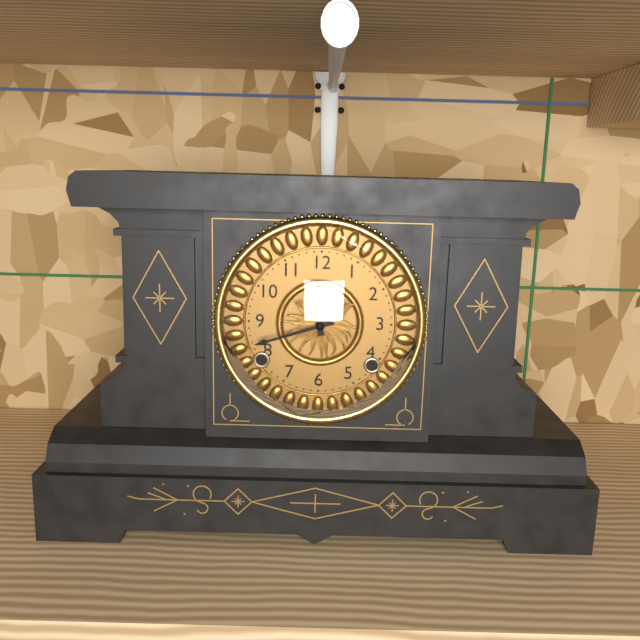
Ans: 11:42
